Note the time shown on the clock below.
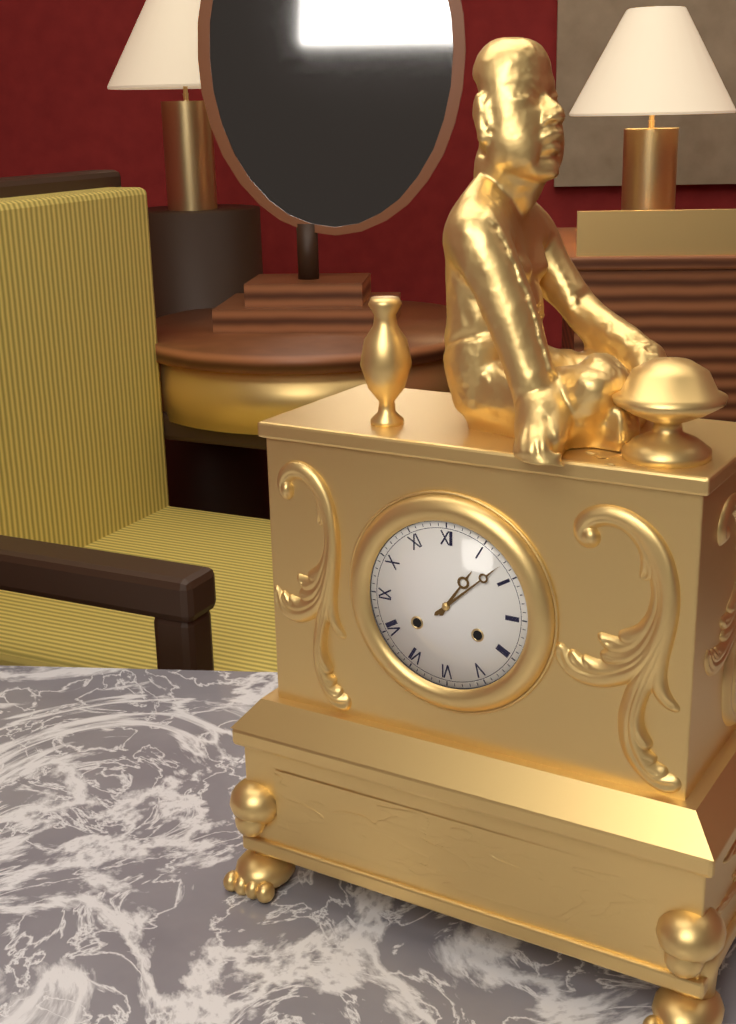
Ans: 1:08
